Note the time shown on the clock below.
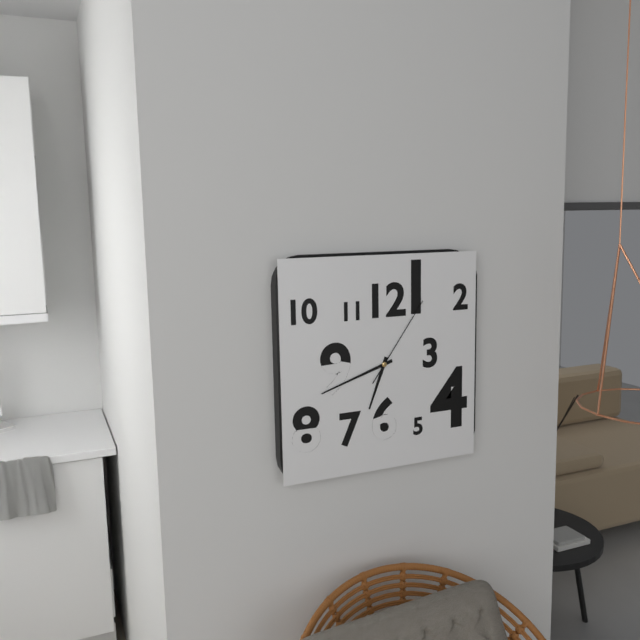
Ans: 6:42:06
